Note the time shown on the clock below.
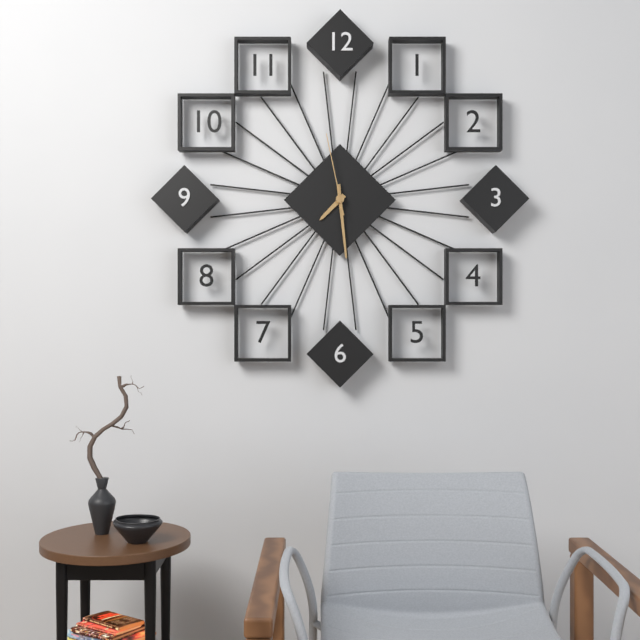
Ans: 7:29:58
